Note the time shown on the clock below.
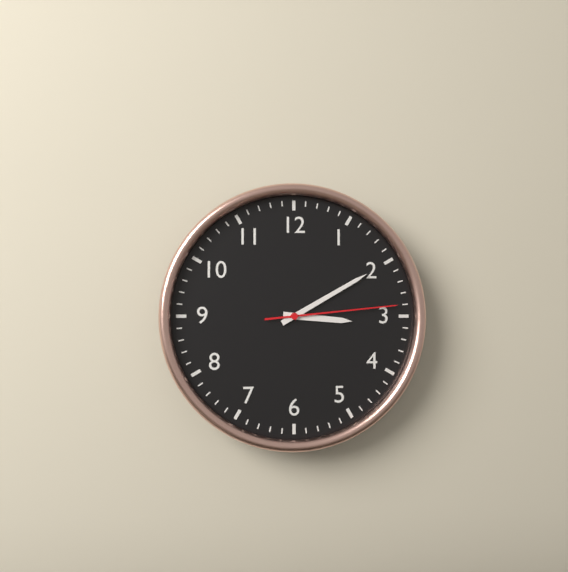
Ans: 3:10:14
